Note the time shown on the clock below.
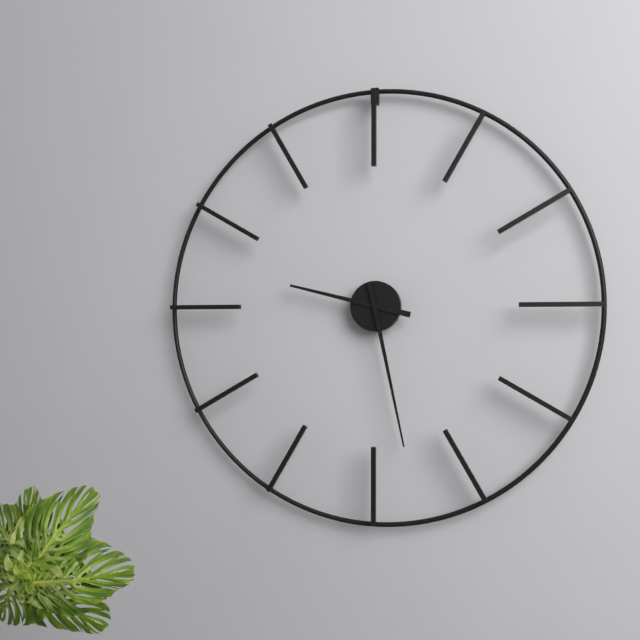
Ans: 9:28
